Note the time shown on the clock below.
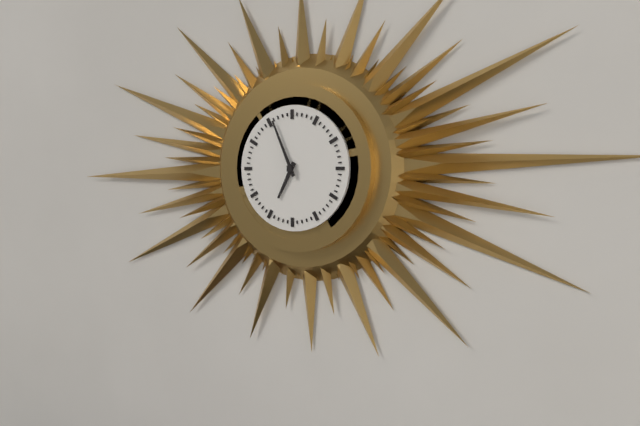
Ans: 6:56
